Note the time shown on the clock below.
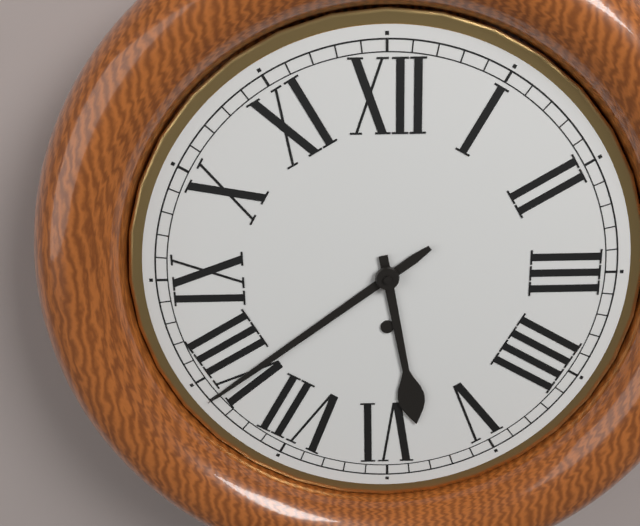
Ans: 5:39
